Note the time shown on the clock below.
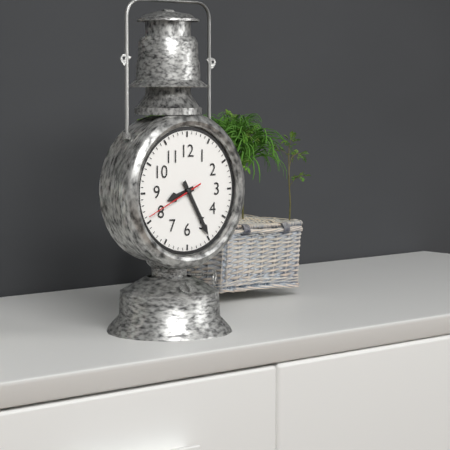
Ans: 8:25:41
